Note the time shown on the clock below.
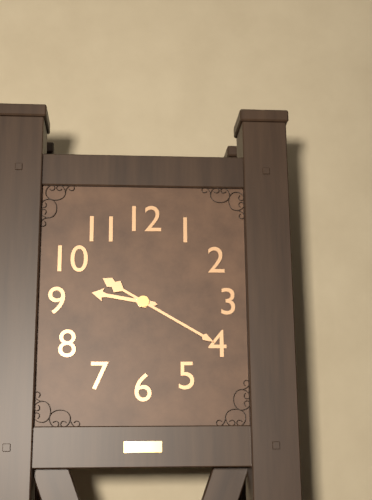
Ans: 9:20
